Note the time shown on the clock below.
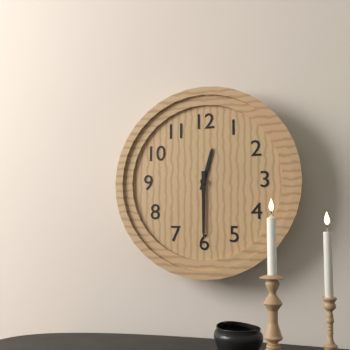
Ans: 12:30
